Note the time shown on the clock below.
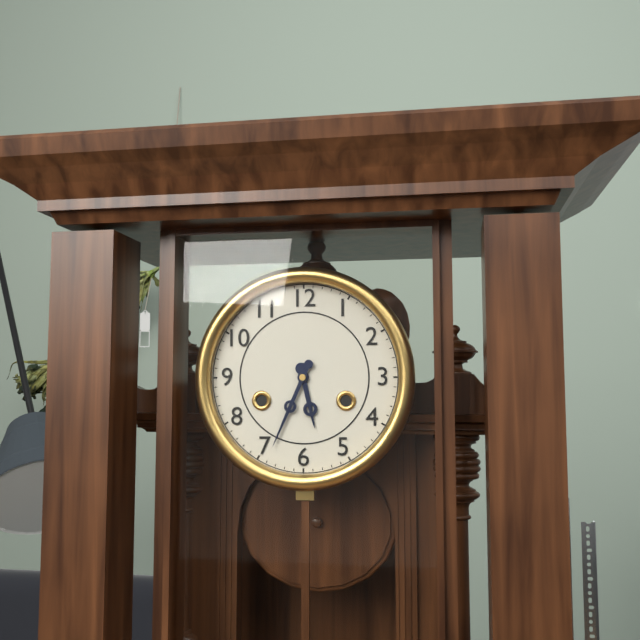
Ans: 5:34
